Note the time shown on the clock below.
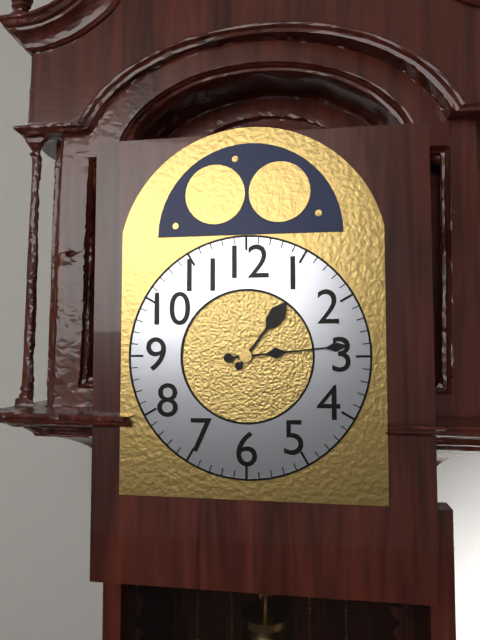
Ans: 1:14
